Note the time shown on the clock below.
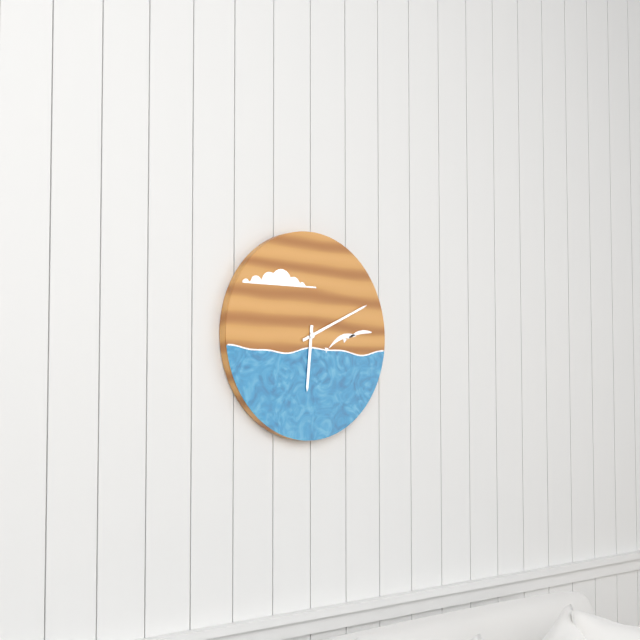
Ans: 6:11
